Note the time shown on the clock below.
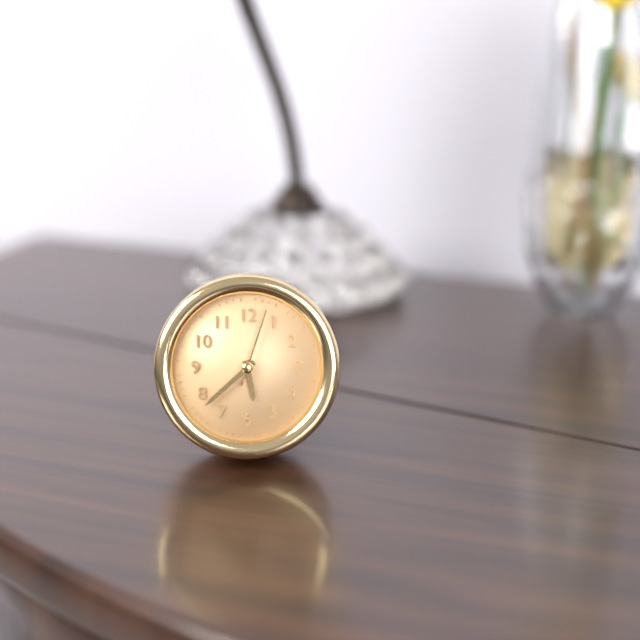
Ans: 5:38:03
